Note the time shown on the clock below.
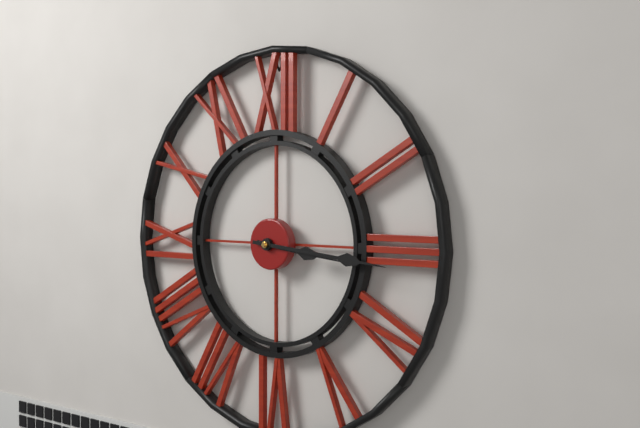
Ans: 3:16
